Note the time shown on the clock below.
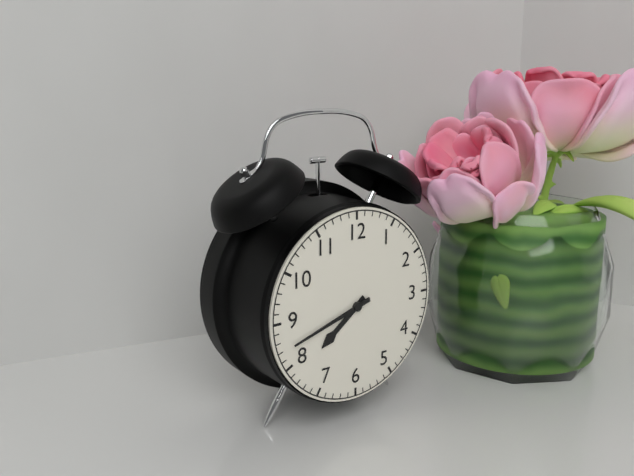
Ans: 7:42
